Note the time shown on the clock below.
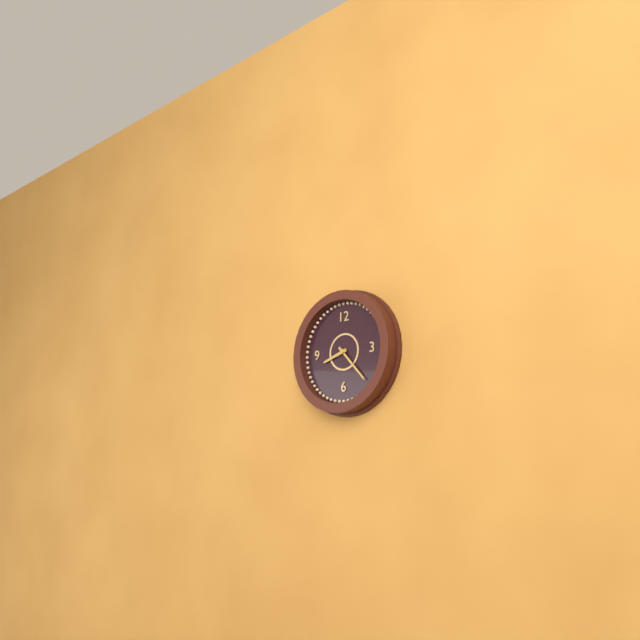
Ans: 8:23
